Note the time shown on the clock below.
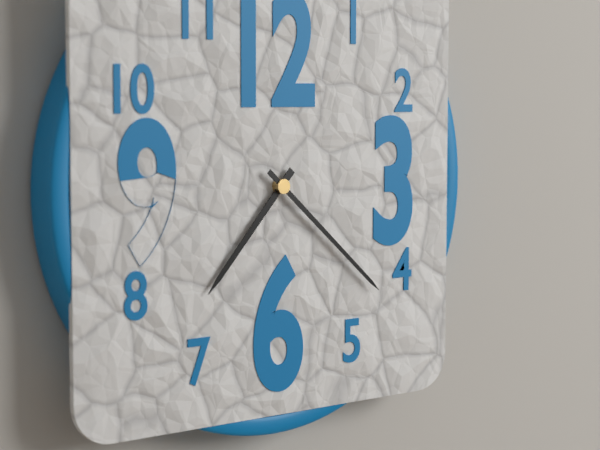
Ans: 7:22
